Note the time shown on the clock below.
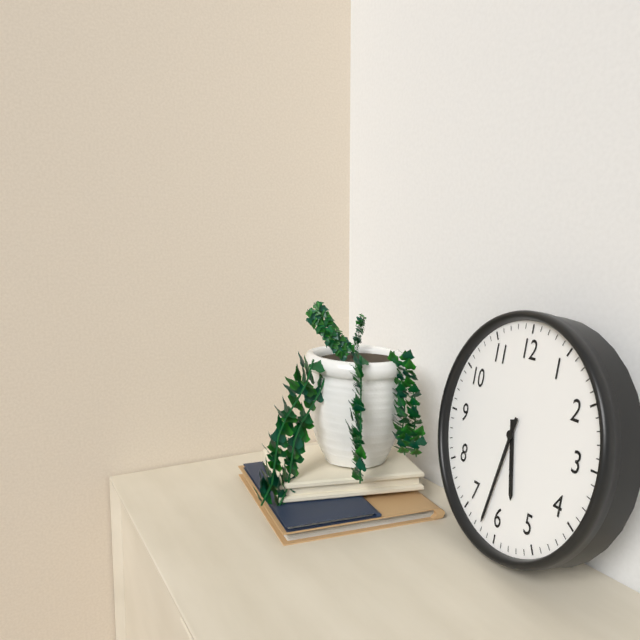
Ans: 5:32
